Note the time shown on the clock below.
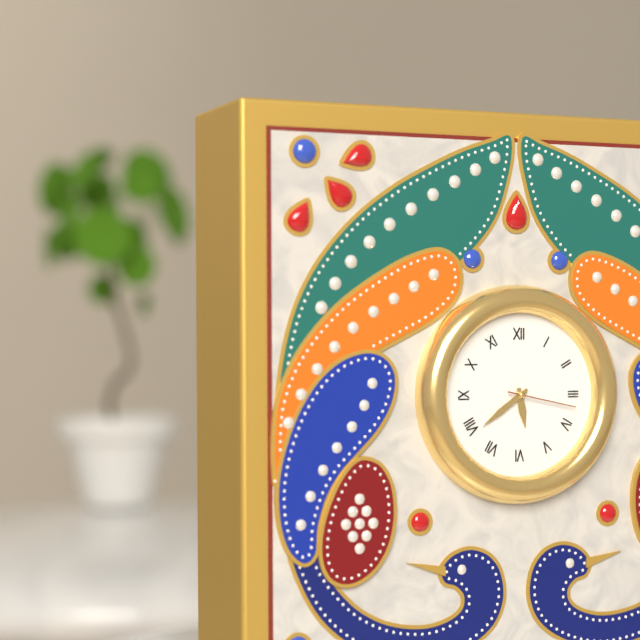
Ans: 5:39:17
